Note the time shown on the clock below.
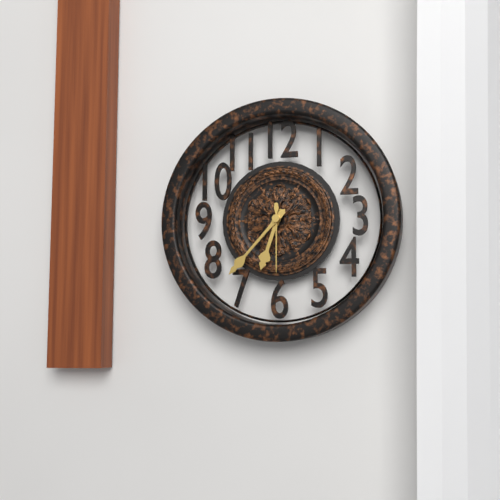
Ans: 6:37:30
